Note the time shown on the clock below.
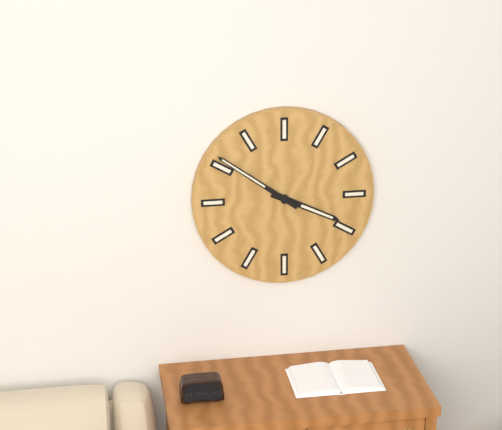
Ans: 3:51
